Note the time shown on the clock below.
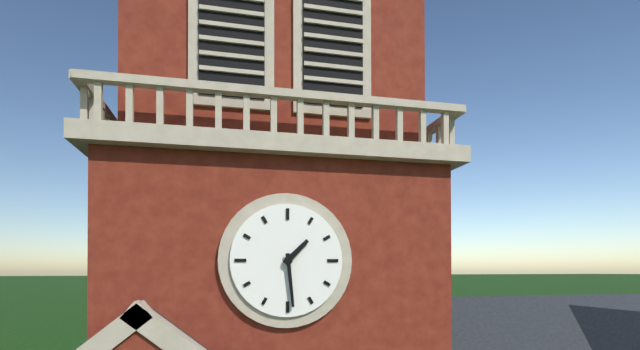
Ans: 1:29
